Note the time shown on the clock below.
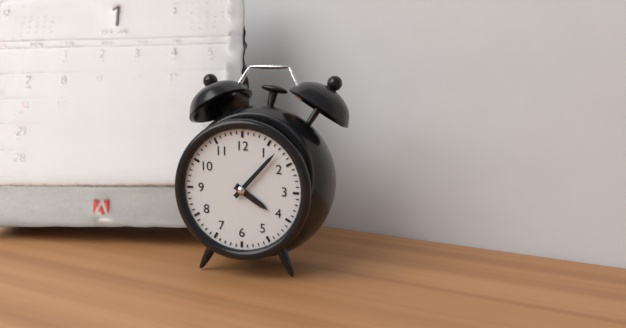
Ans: 4:07
